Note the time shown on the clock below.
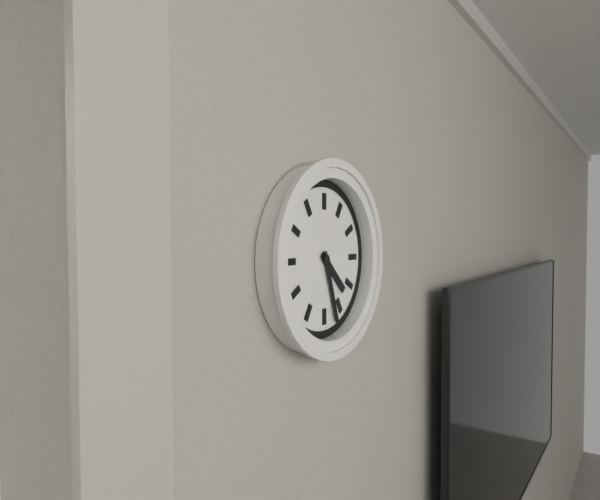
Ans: 4:27
